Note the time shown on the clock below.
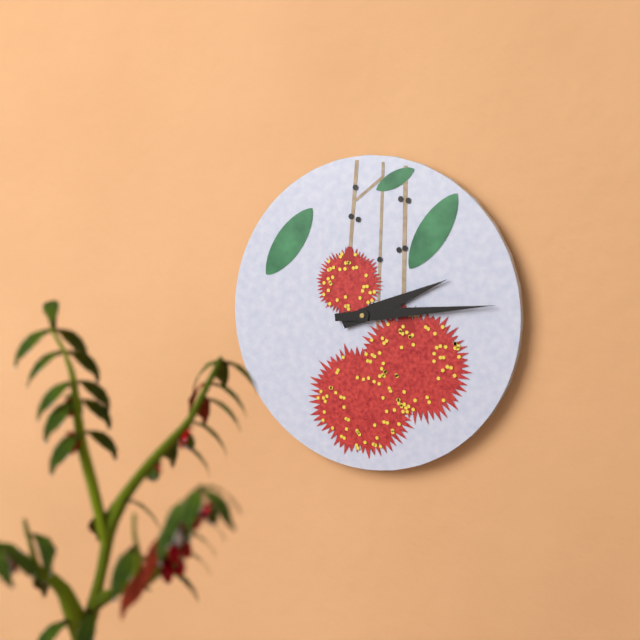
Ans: 2:14
